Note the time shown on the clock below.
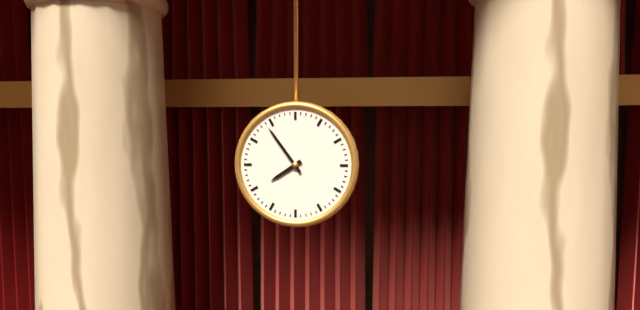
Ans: 7:54
